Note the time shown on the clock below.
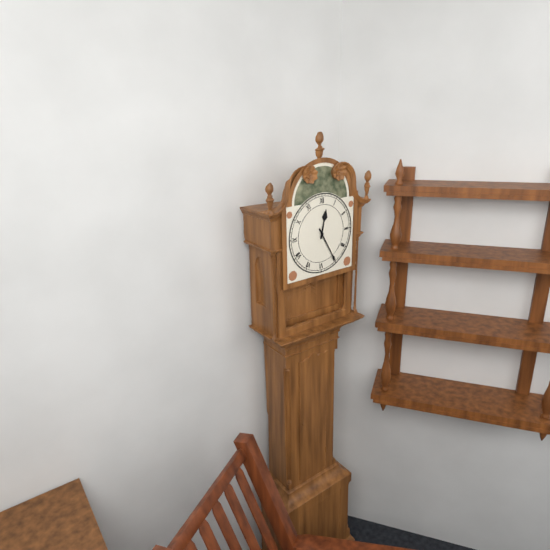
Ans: 12:25
